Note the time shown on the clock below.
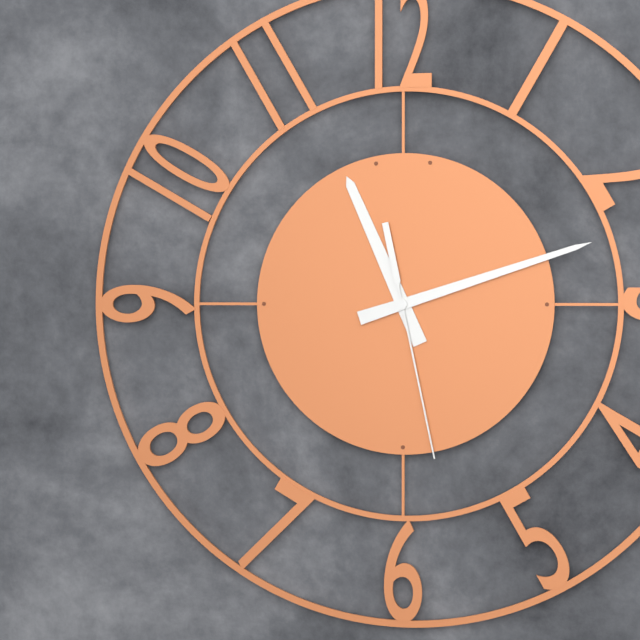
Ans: 11:12:28
